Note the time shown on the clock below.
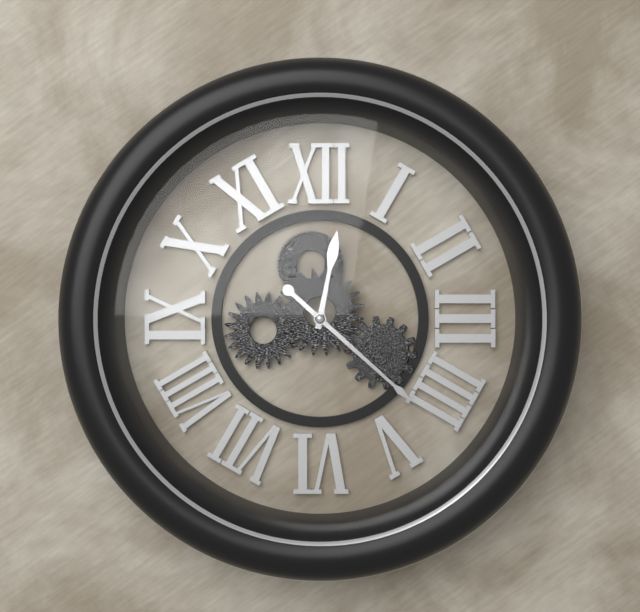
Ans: 12:22
